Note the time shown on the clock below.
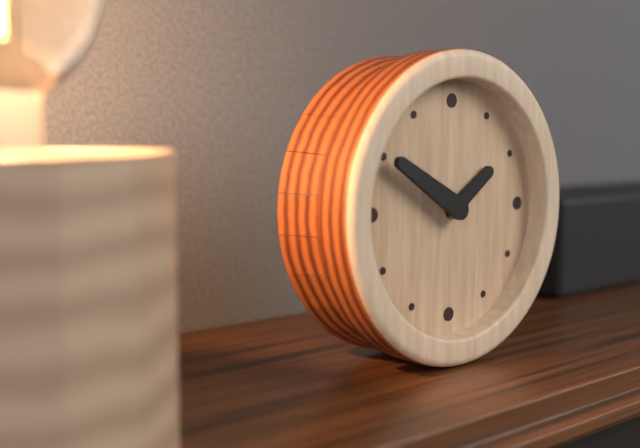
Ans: 1:50
